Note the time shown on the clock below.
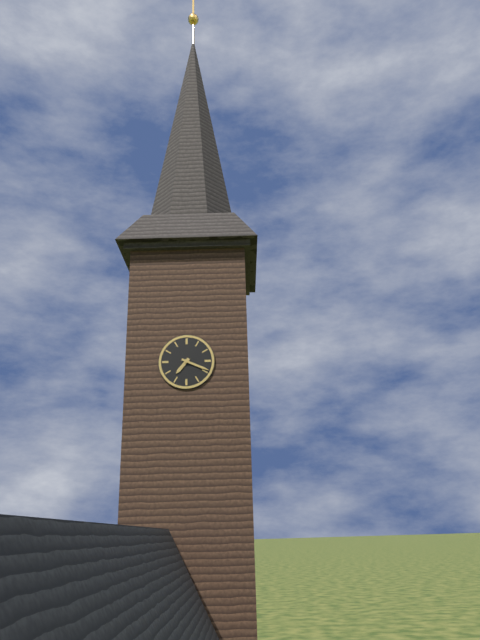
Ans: 7:19
